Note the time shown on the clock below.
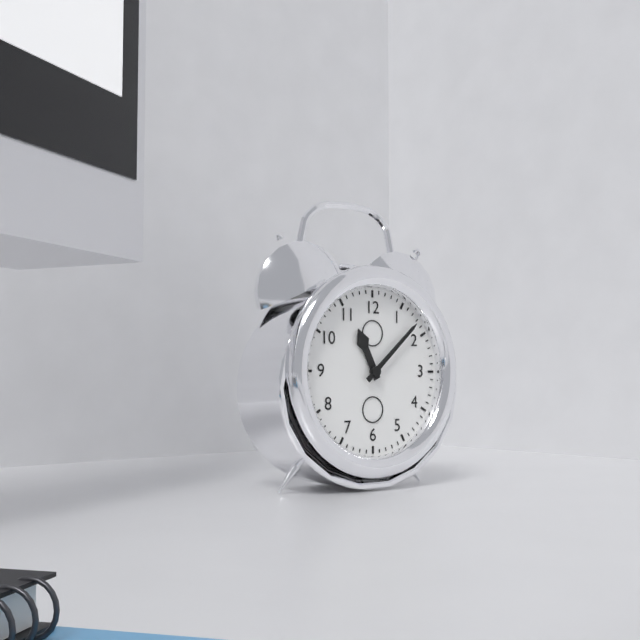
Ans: 11:08
